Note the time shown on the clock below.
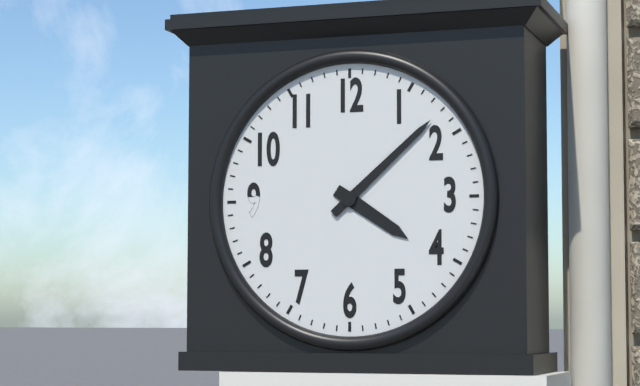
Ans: 4:08
